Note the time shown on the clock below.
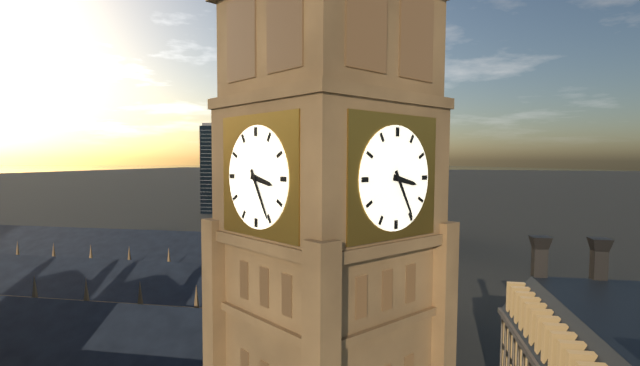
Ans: 3:25
